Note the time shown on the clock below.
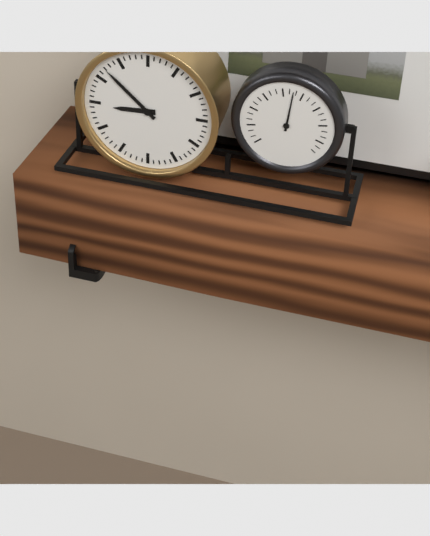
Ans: 8:52
